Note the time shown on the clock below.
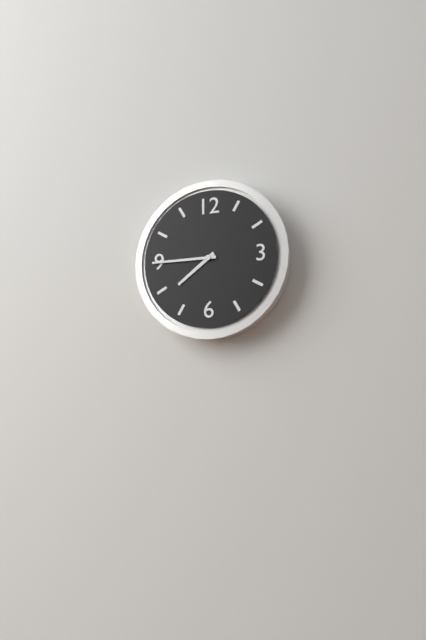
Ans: 7:45
